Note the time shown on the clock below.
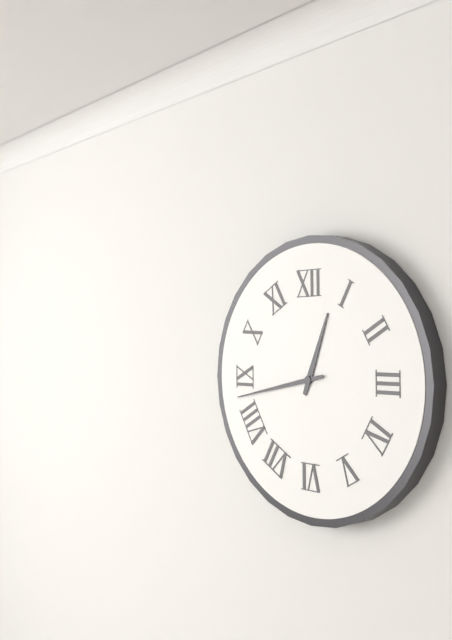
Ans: 12:43
